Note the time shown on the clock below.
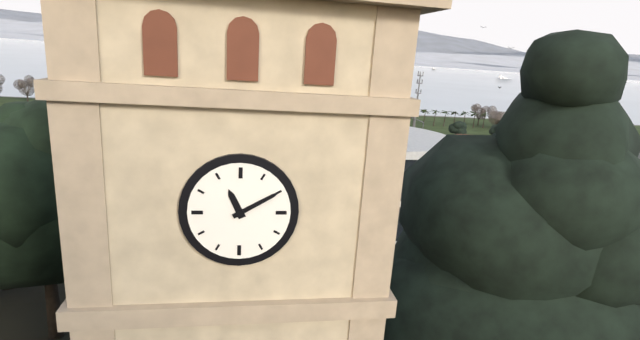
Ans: 11:10
